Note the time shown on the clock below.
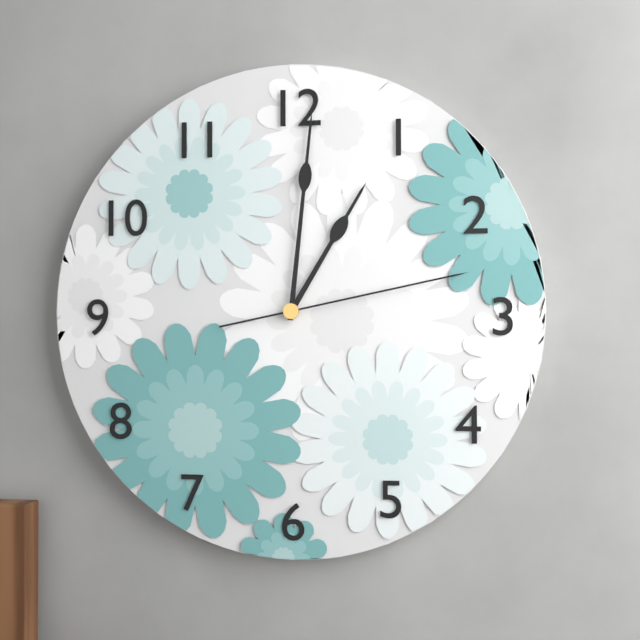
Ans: 1:01:13
